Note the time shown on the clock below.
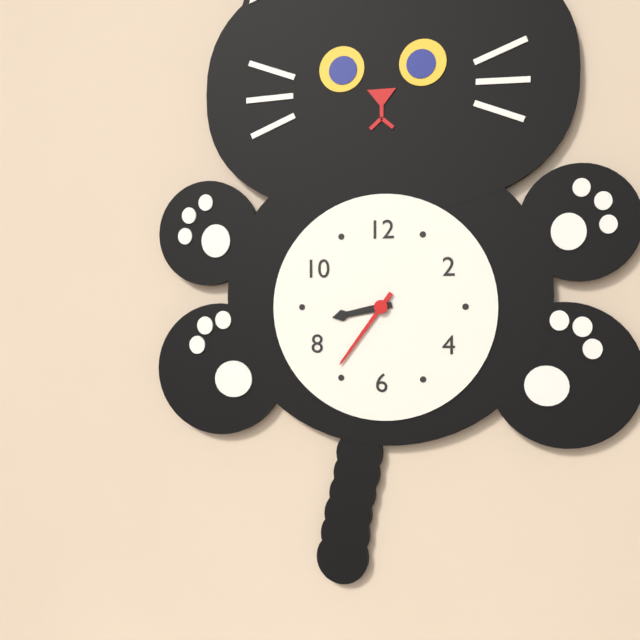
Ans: 8:36
